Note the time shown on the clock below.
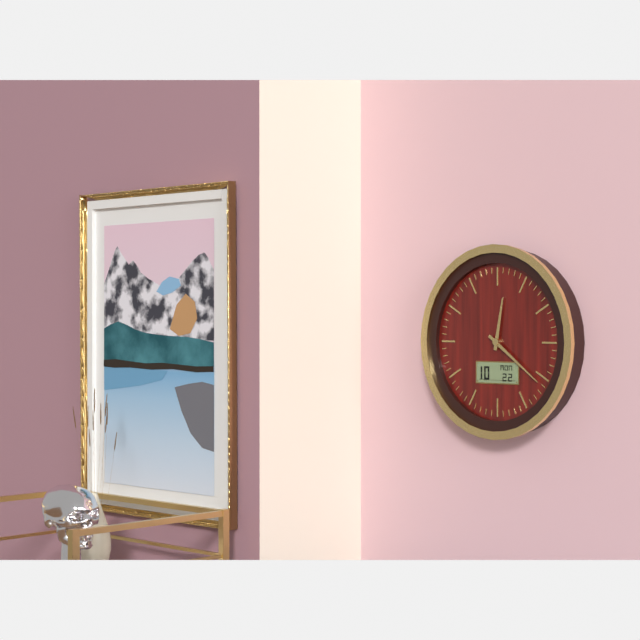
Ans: 12:21
